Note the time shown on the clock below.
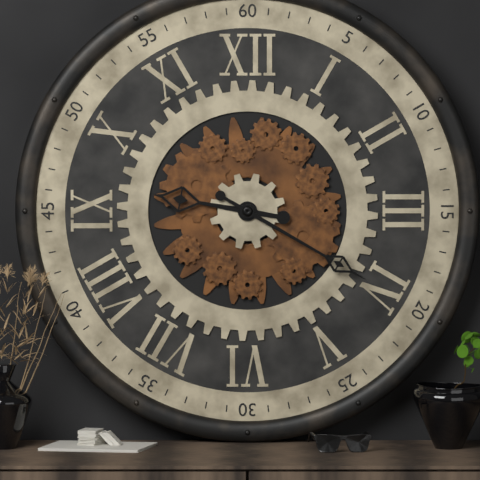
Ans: 9:20
